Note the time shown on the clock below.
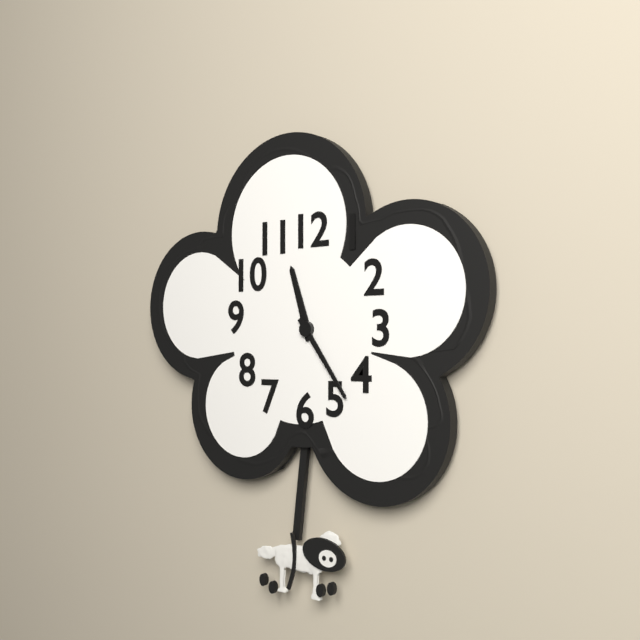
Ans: 11:24
